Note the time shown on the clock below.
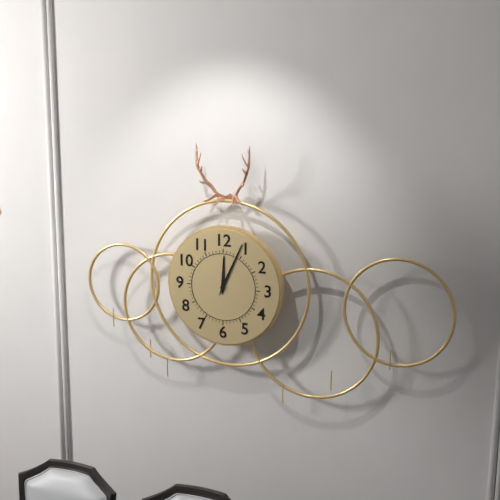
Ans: 12:04
